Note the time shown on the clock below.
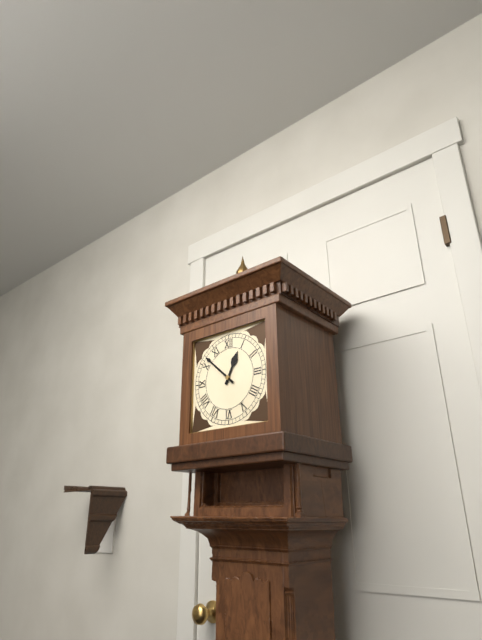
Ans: 12:52
